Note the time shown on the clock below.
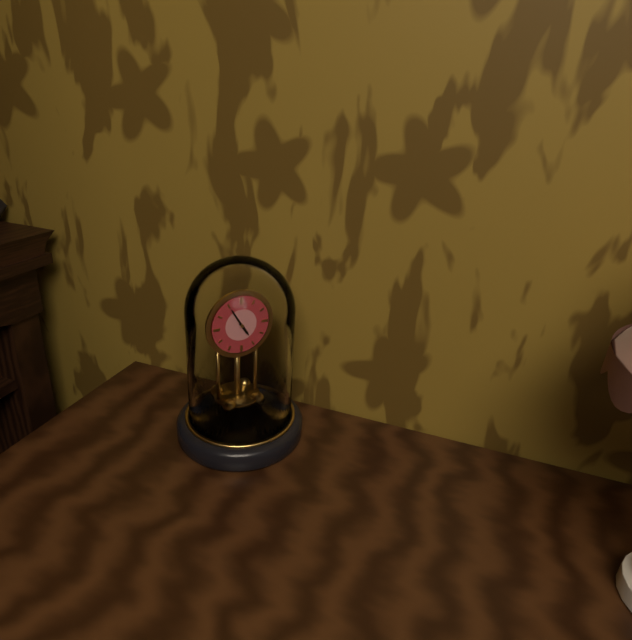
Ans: 4:55
